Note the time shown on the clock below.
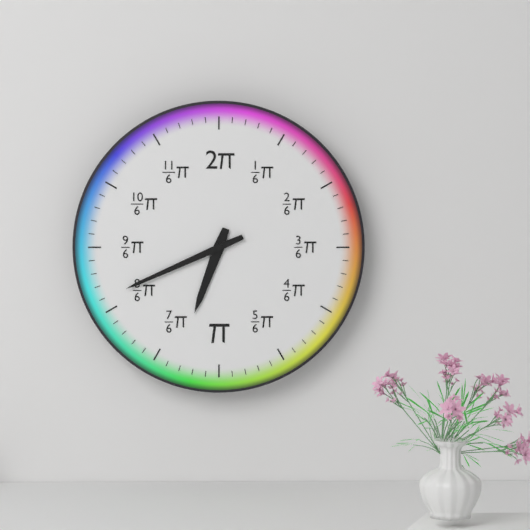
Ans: 6:41
